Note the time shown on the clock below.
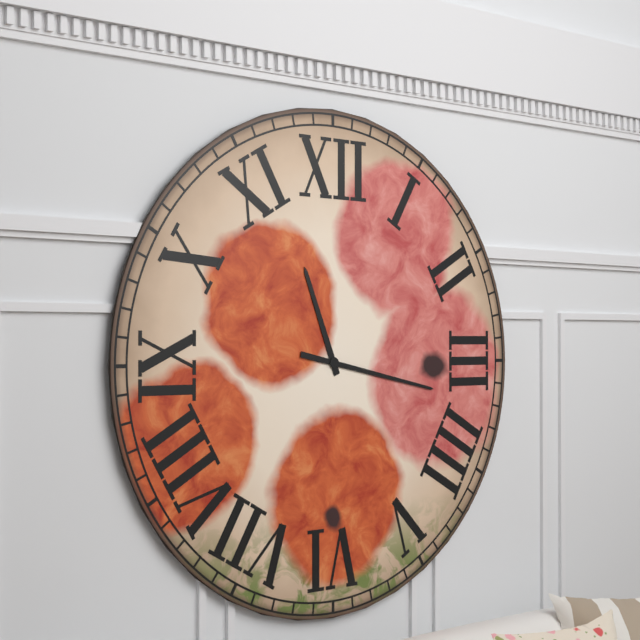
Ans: 11:17
